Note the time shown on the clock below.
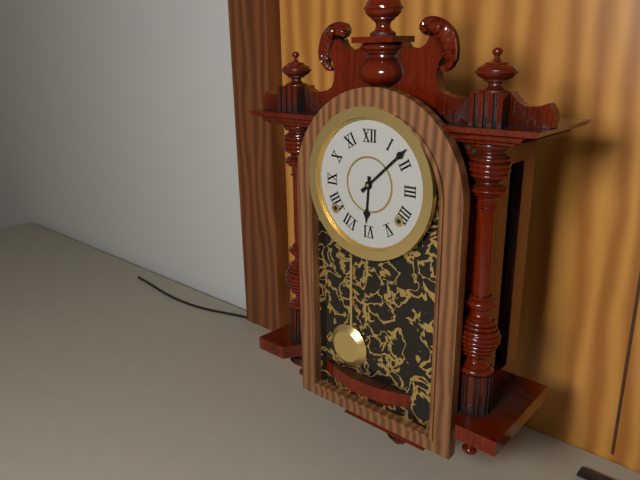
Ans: 6:08
